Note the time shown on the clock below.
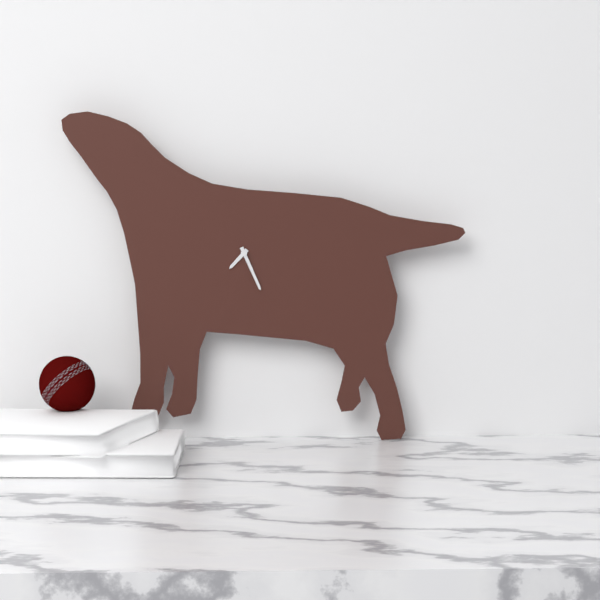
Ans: 7:26
